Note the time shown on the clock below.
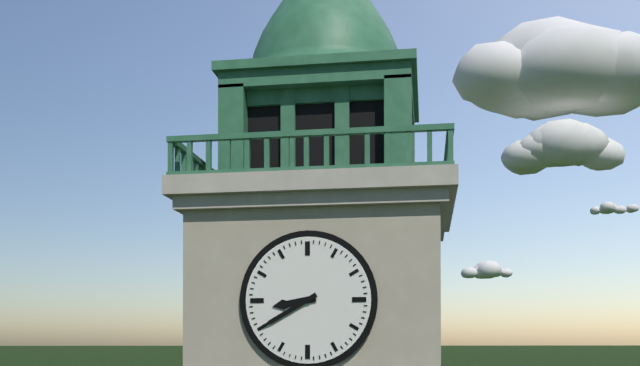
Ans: 8:40
